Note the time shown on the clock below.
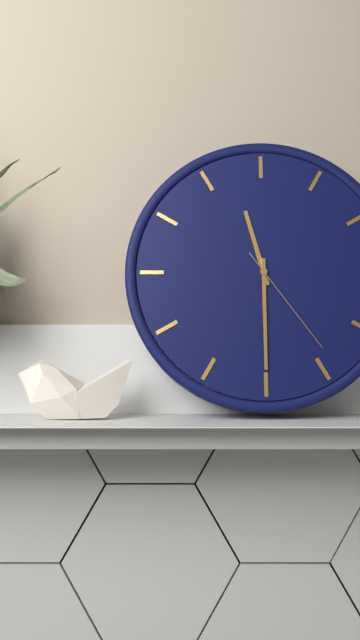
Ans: 11:30:24
